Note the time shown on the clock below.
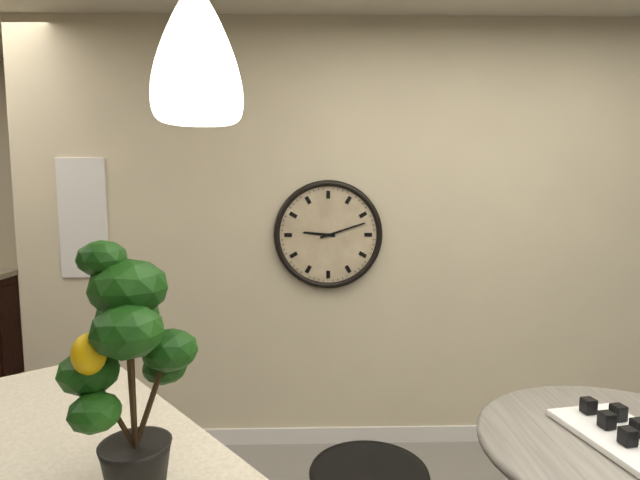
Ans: 9:12
